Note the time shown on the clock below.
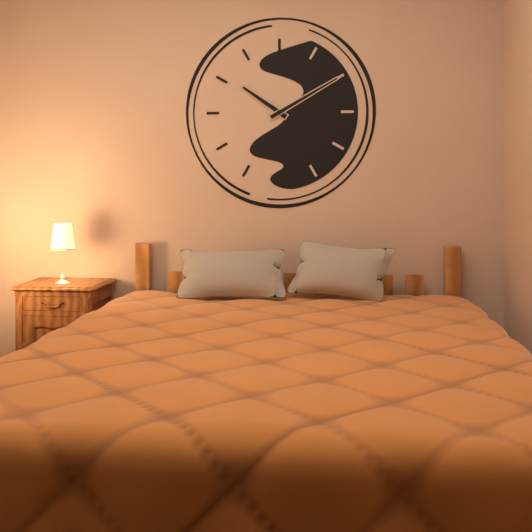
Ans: 10:10
